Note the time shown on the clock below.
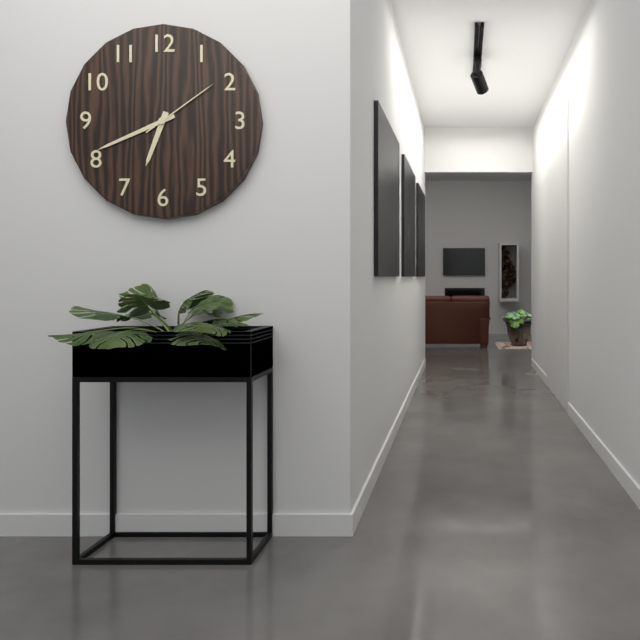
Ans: 6:41:09
